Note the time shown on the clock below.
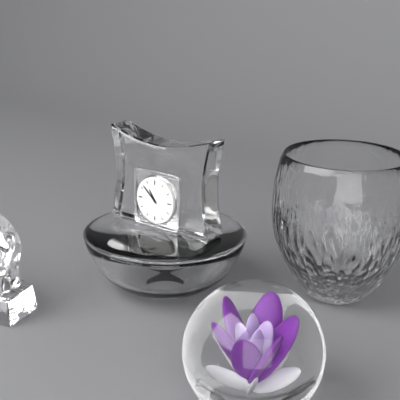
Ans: 10:52
